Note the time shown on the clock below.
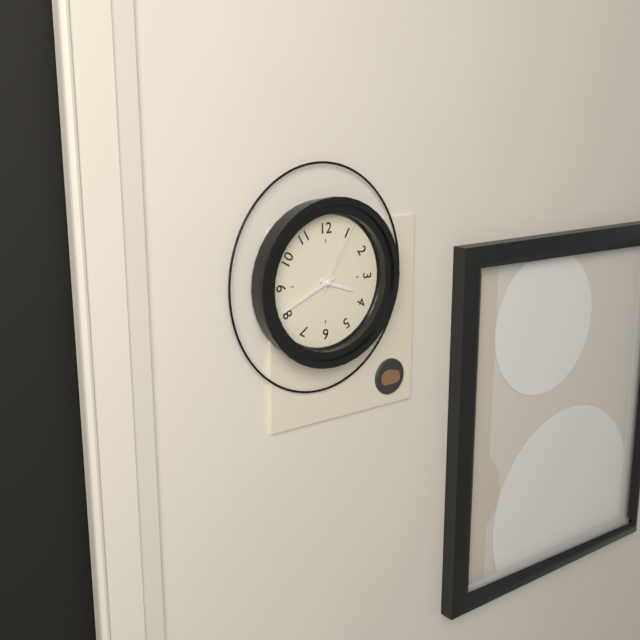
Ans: 3:41:05
